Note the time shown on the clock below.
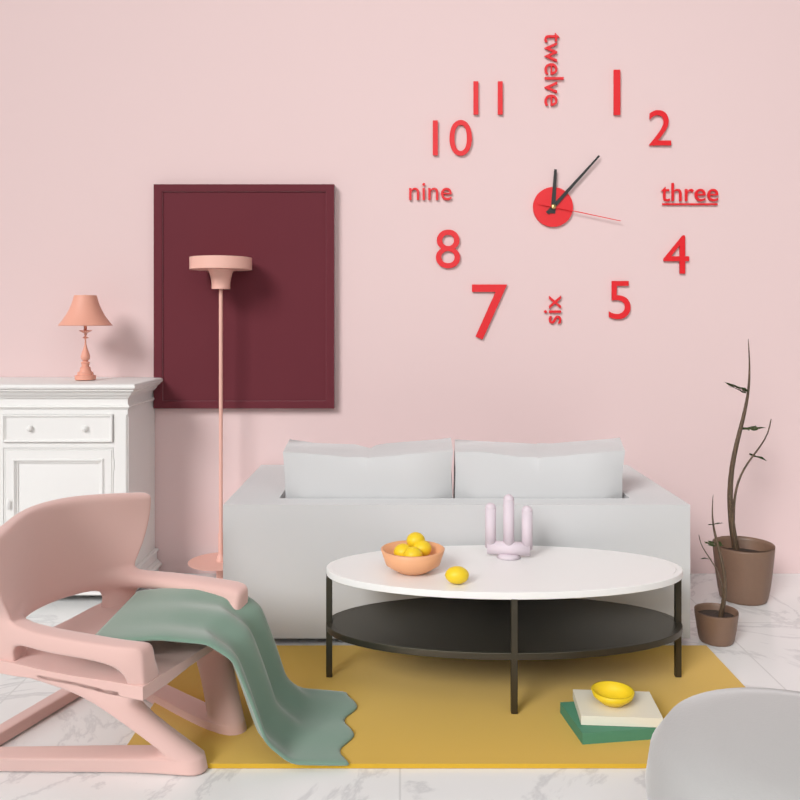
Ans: 12:07:17
